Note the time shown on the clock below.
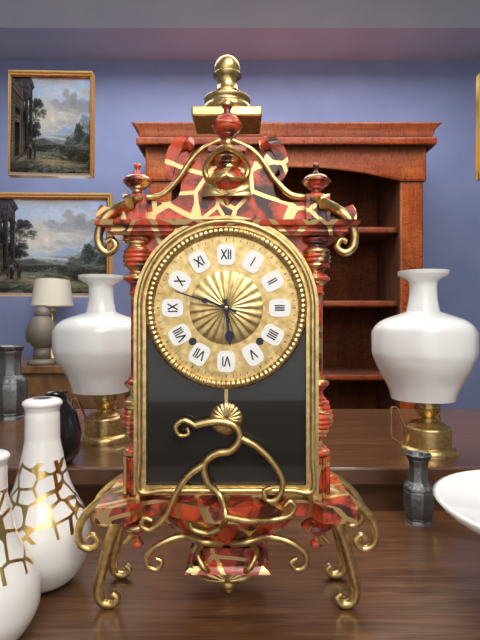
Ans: 5:48
